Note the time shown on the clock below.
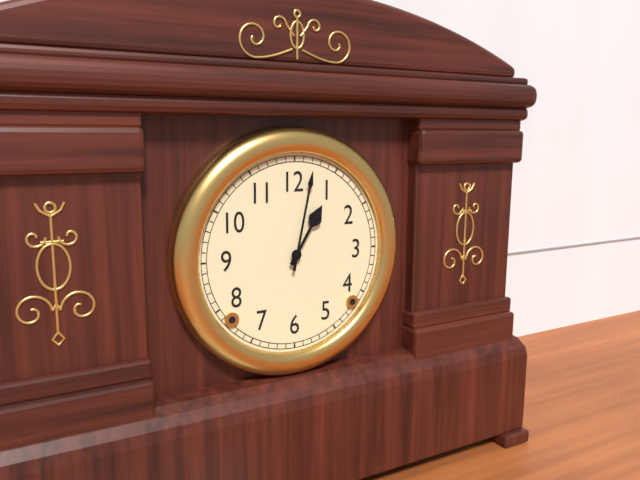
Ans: 1:02
